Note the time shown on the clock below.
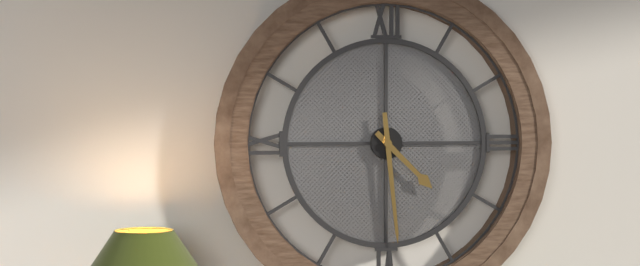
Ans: 4:29
